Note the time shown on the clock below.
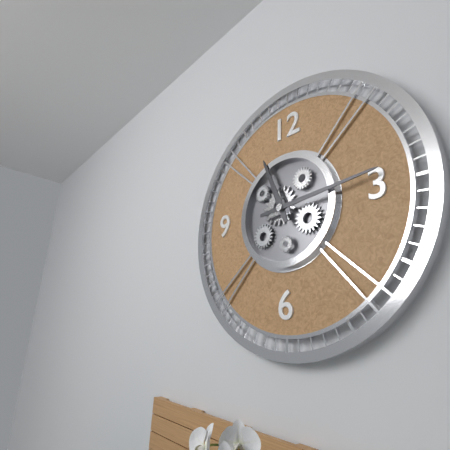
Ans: 11:14
